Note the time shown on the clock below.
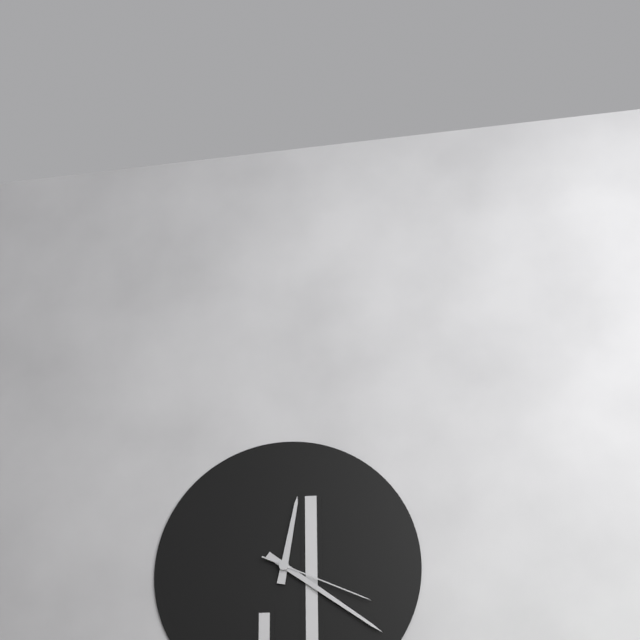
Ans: 12:21:19
